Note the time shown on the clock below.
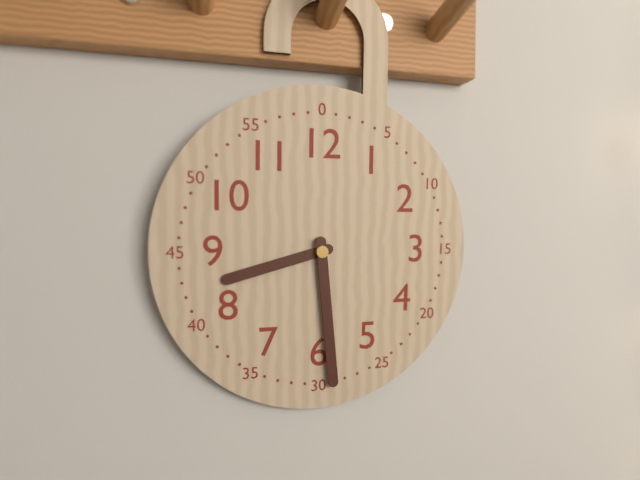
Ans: 8:29
